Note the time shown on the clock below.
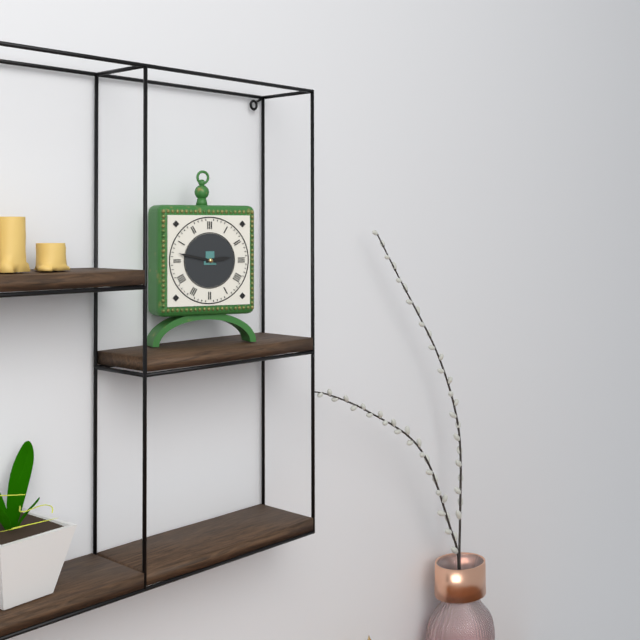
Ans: 2:47
